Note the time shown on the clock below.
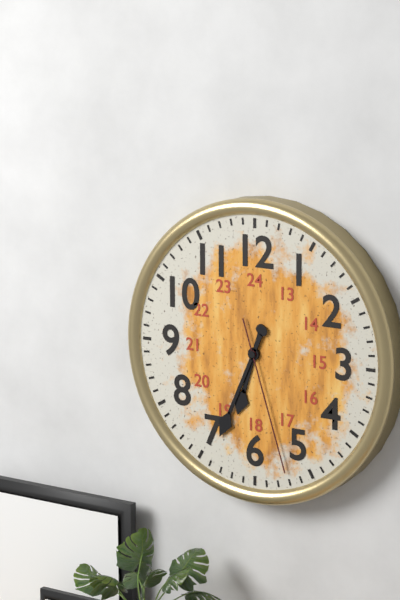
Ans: 6:34:27
